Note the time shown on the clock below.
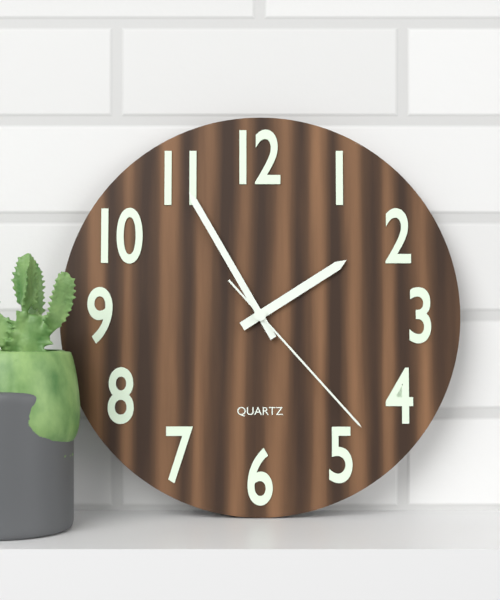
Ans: 1:55:23
